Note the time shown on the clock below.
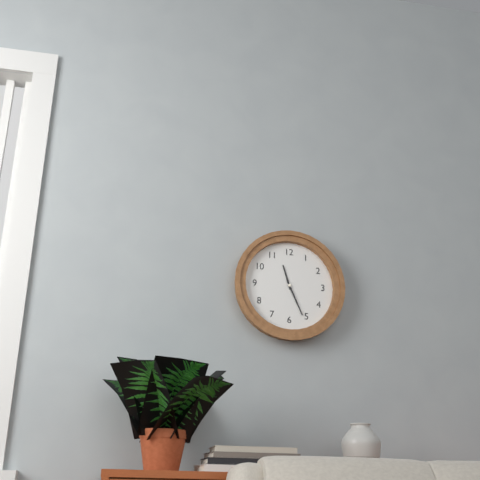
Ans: 11:26
